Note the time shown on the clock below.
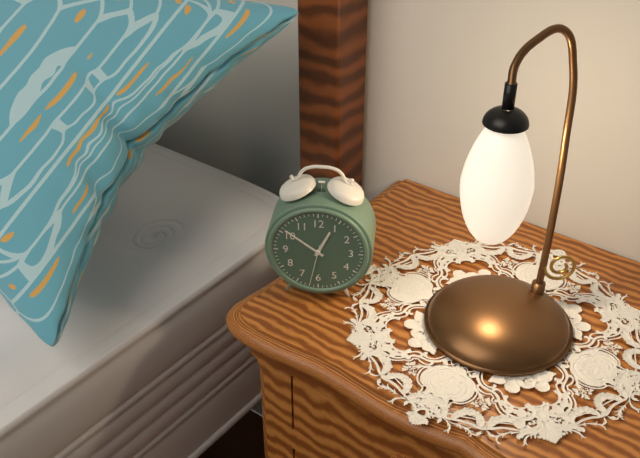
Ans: 12:51
